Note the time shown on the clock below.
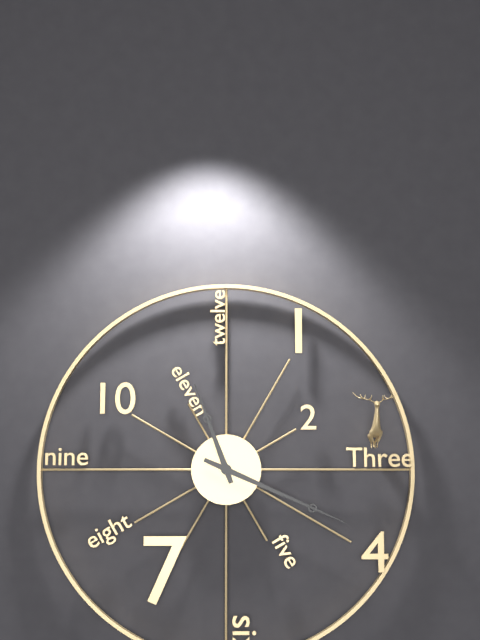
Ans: 11:19
